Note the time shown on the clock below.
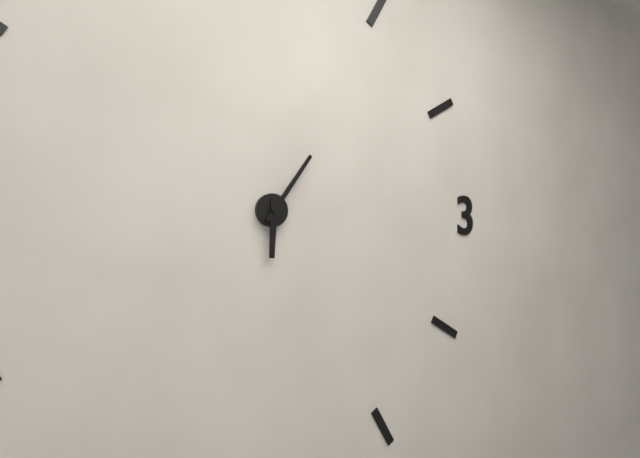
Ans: 6:06
